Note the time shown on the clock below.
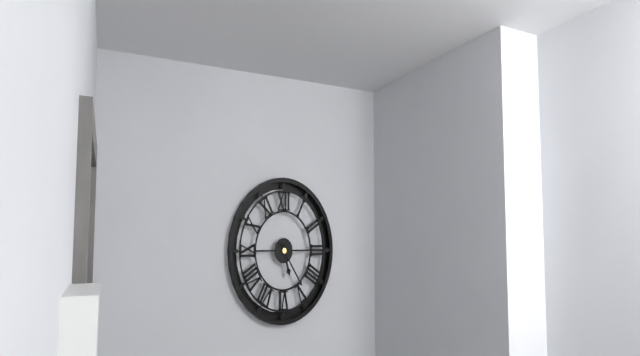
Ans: 5:24
